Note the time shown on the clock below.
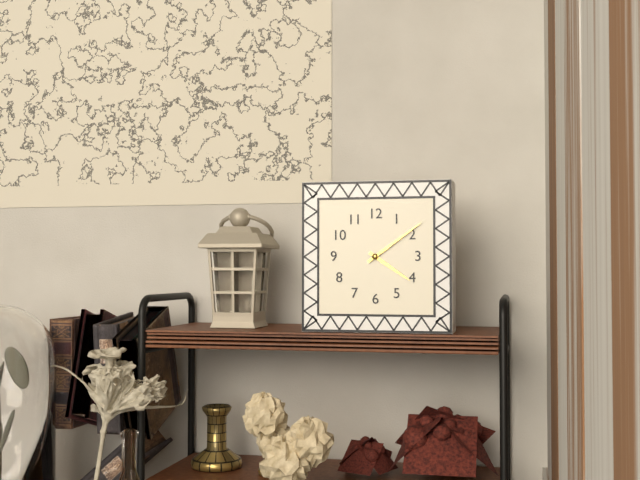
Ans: 4:09
